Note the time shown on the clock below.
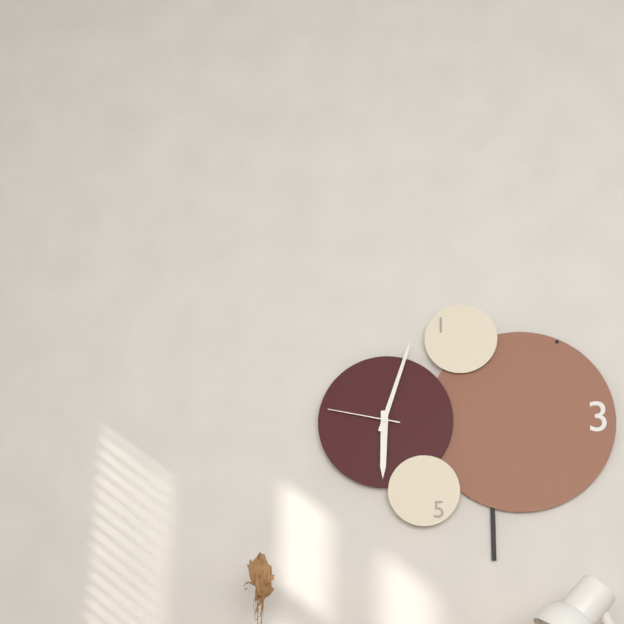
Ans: 6:03:47
